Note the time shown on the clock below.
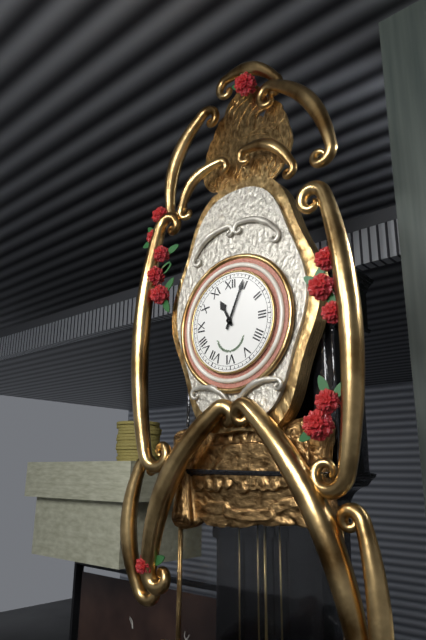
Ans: 11:04
